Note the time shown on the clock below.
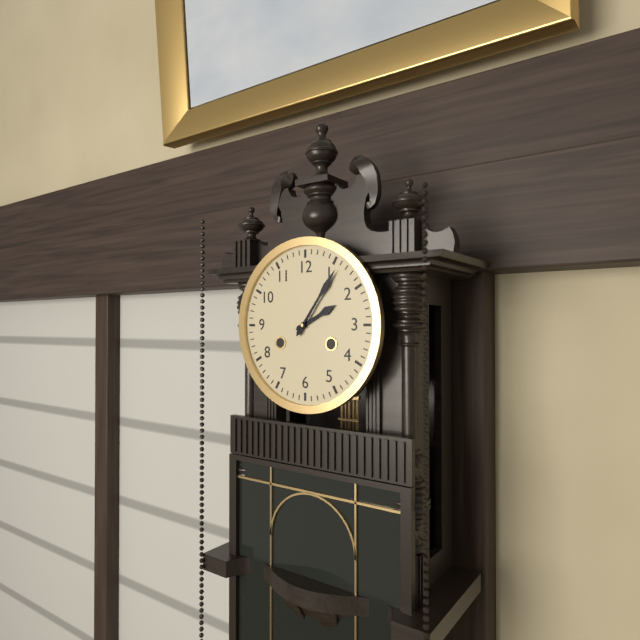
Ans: 2:06
